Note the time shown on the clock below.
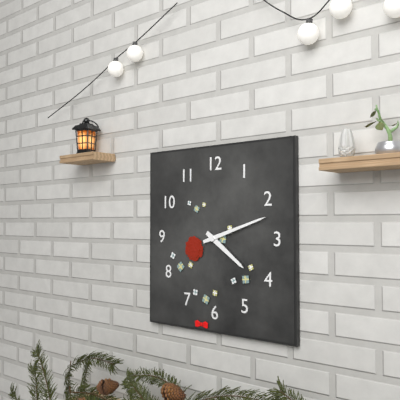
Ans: 4:12
